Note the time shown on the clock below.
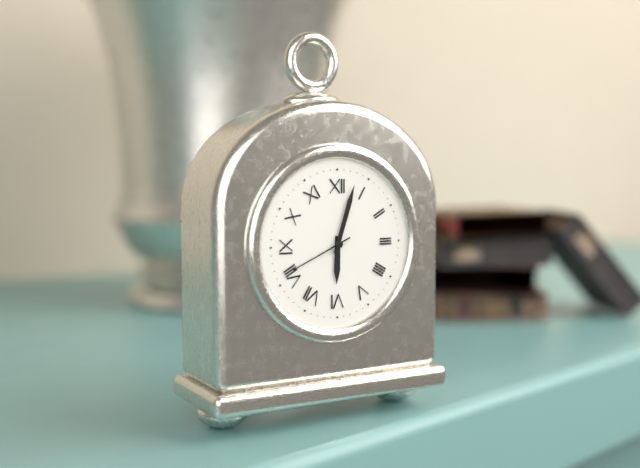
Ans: 6:03:41
